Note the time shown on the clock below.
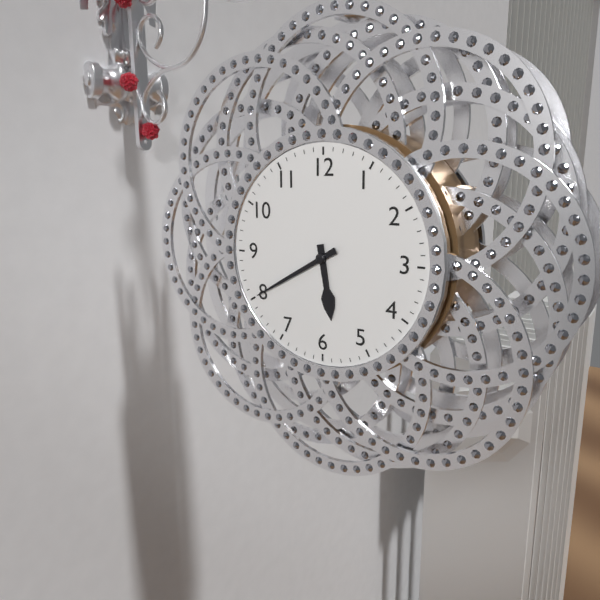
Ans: 5:40
